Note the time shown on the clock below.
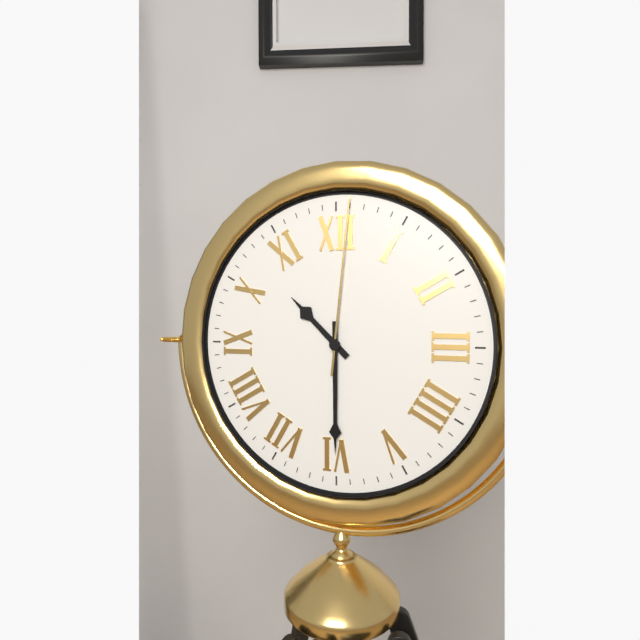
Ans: 10:30:01
